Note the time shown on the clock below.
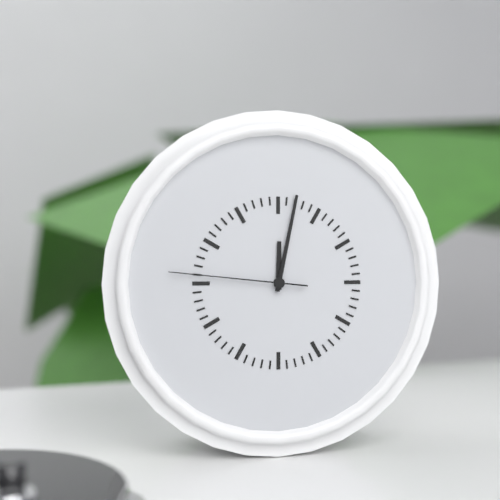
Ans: 12:02:46
